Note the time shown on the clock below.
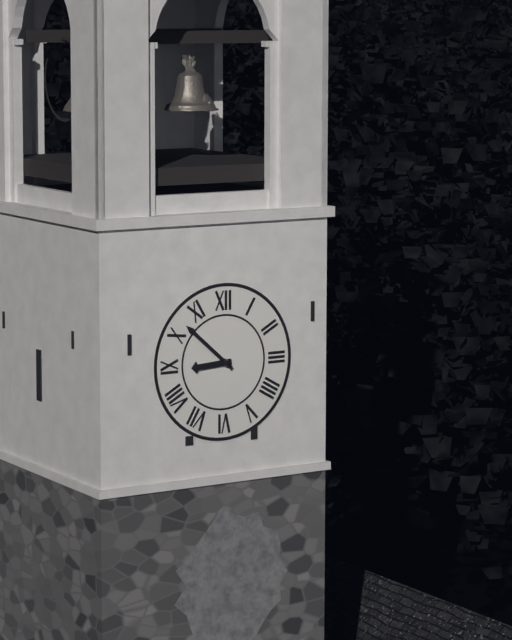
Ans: 8:52
